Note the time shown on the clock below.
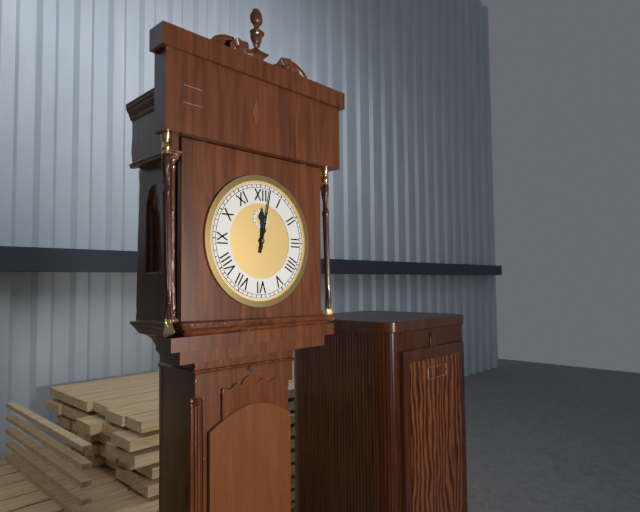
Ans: 12:02
